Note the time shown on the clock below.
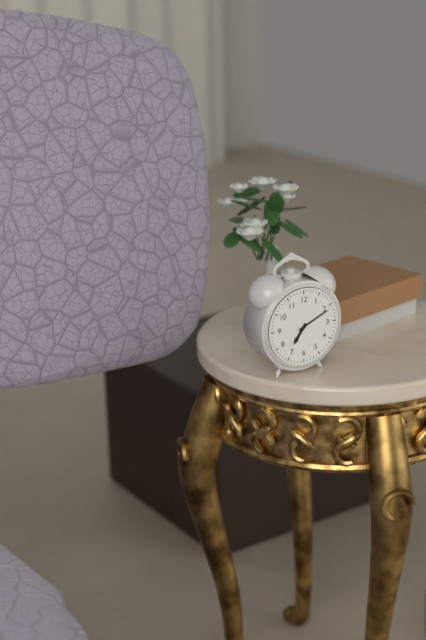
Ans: 7:11
